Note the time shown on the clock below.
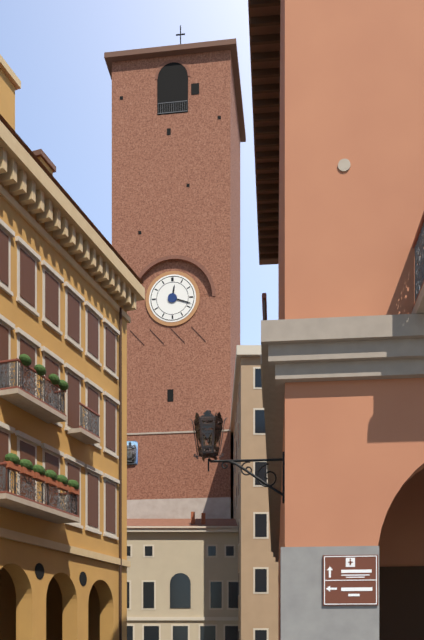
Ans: 12:18
